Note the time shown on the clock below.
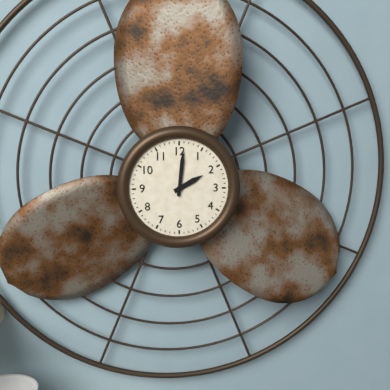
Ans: 2:01
